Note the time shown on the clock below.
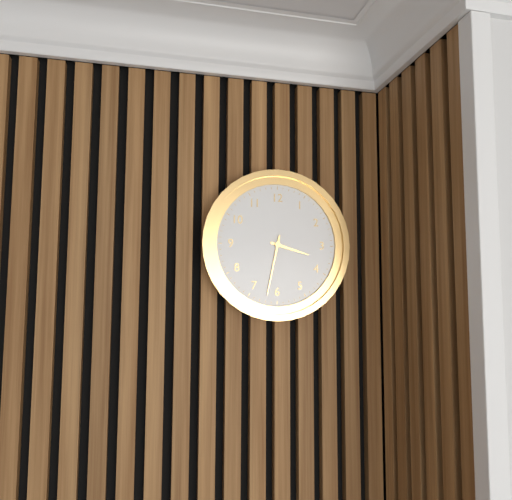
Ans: 3:32
